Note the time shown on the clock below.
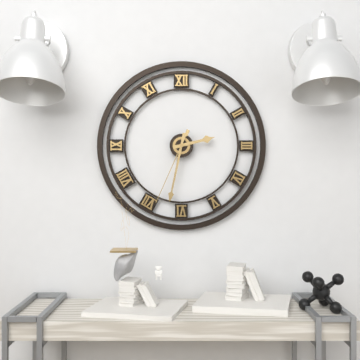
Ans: 2:32:34
